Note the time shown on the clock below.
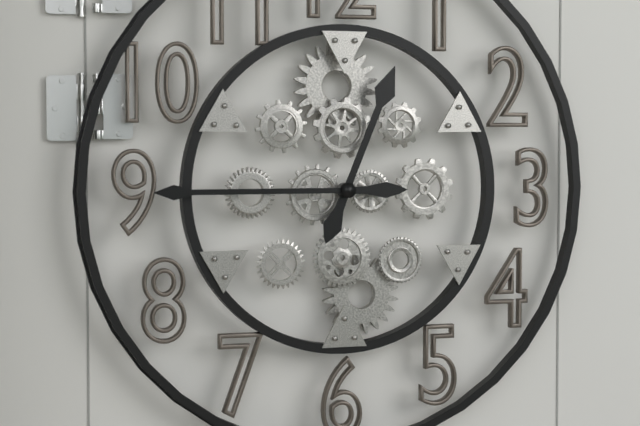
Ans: 12:45
